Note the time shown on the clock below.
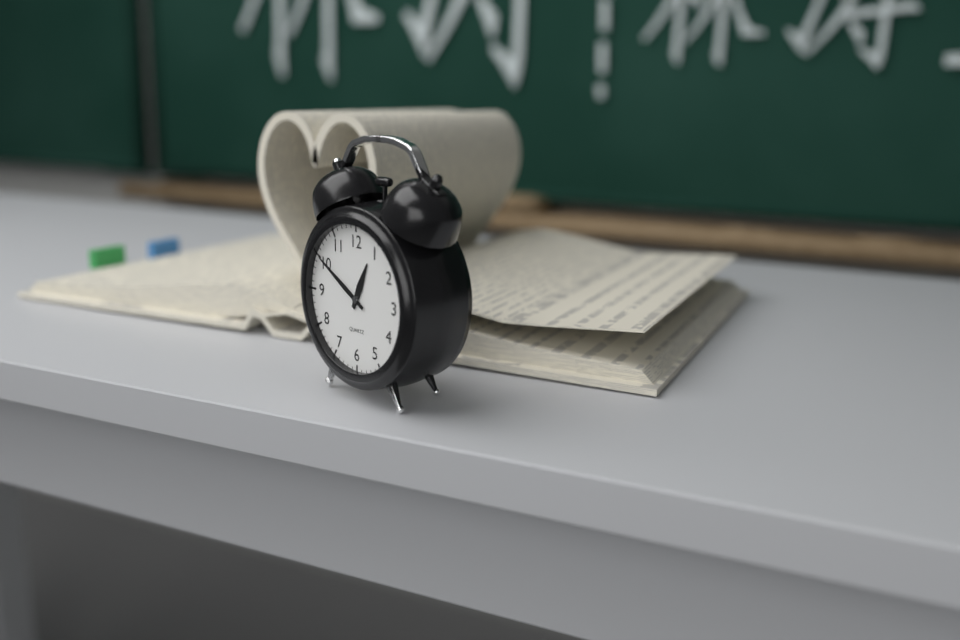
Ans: 12:50
